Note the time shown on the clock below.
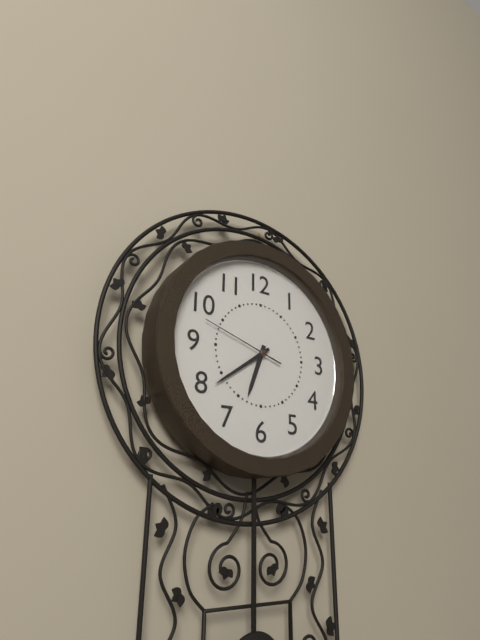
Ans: 6:39:48
